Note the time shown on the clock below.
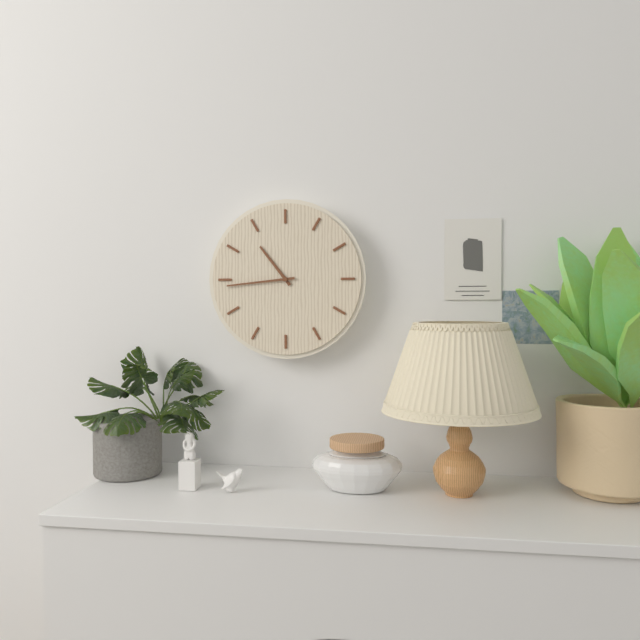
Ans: 10:44
